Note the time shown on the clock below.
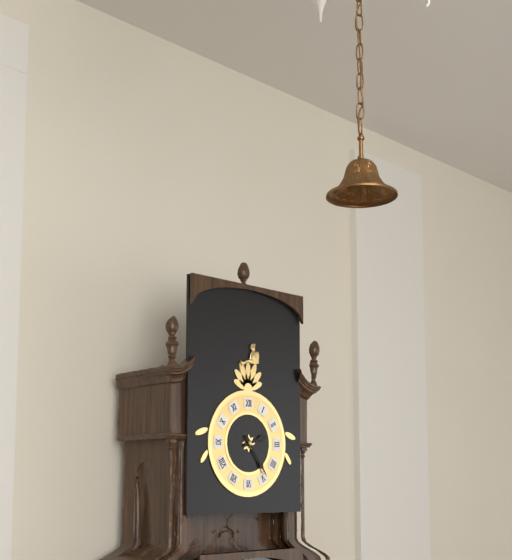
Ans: 2:24
